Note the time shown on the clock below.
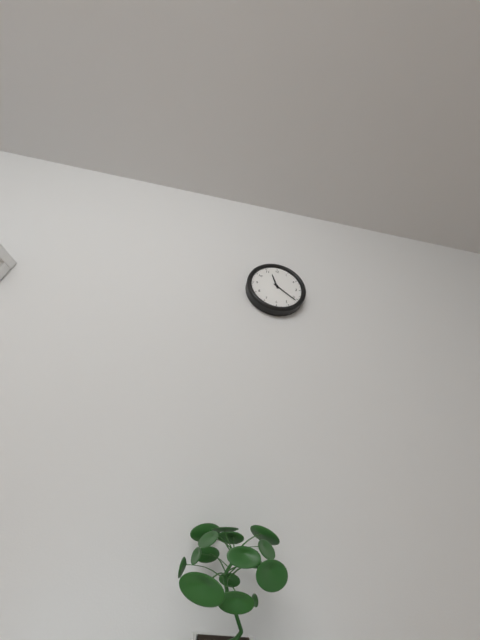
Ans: 11:21
